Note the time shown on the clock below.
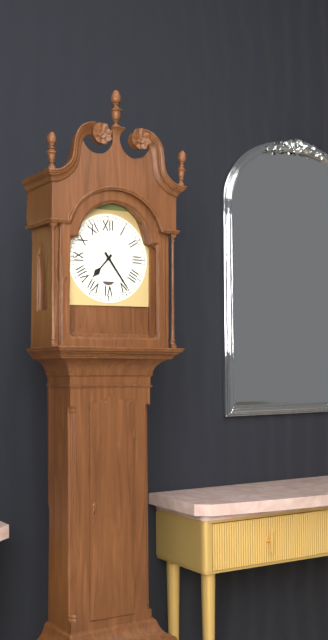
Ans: 7:24
